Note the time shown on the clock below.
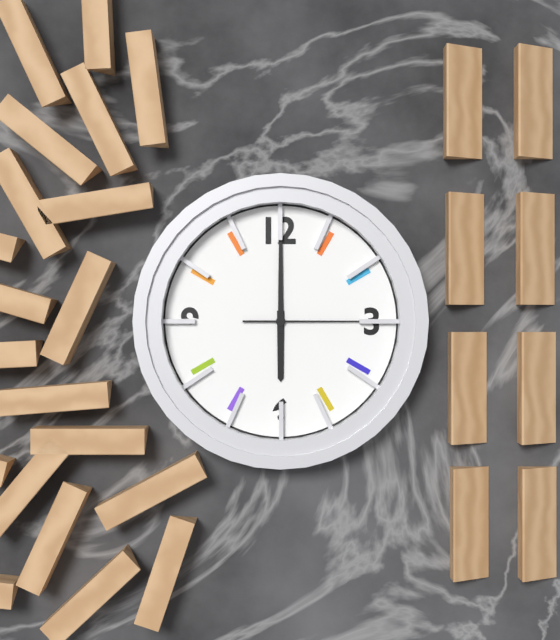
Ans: 6:00:15
